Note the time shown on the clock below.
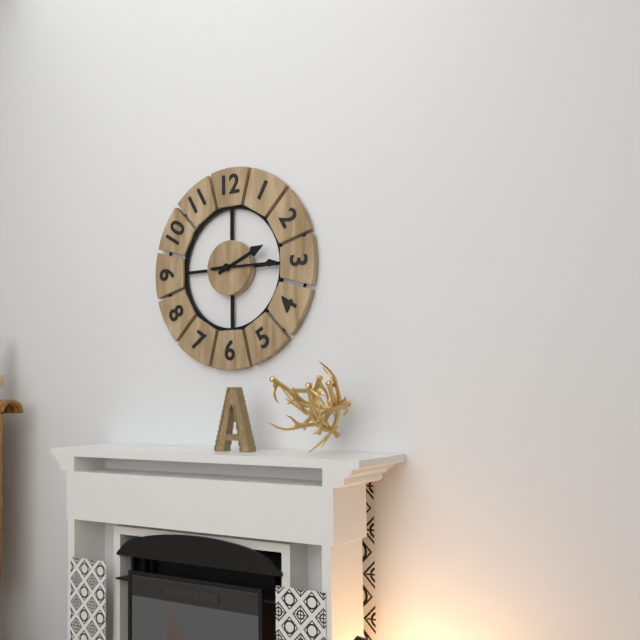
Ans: 2:15
